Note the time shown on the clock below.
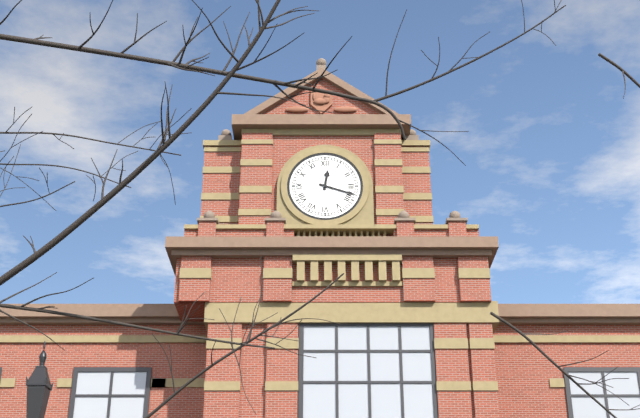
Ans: 12:18
